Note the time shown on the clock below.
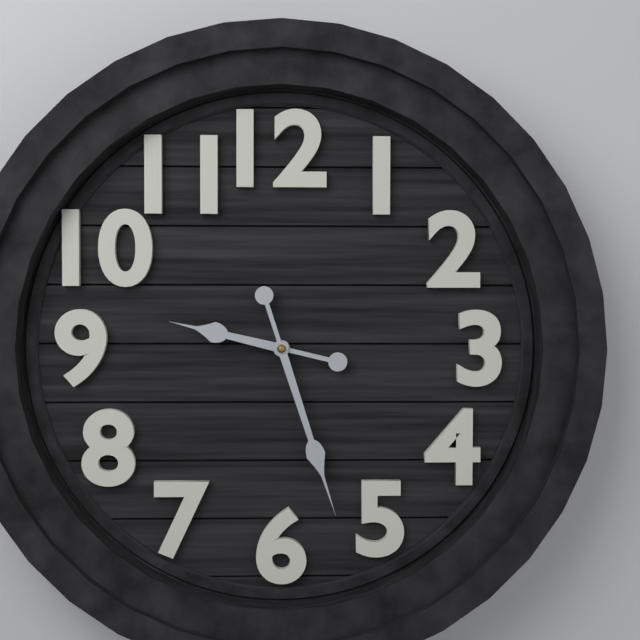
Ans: 9:27
